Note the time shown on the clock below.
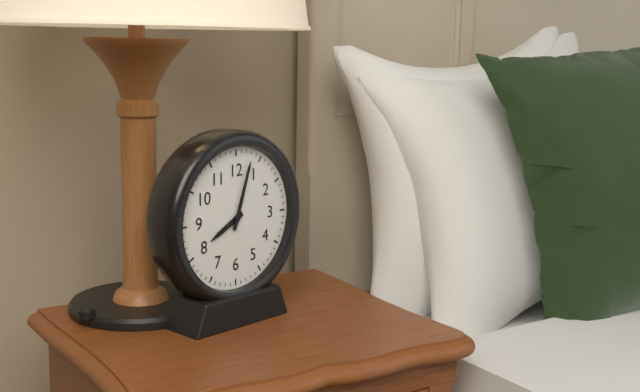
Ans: 8:03
